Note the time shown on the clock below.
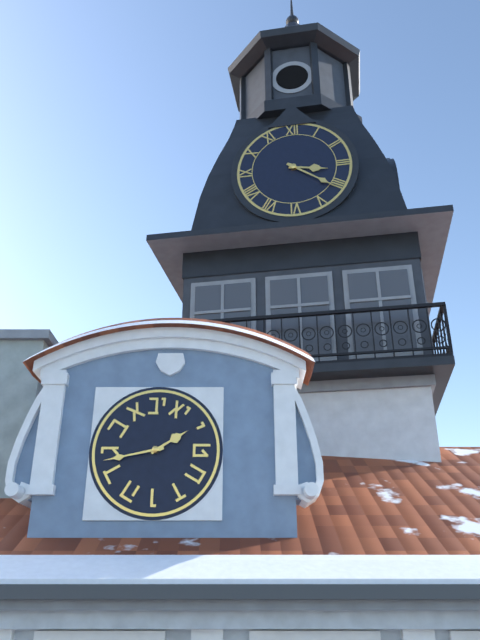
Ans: 3:21
